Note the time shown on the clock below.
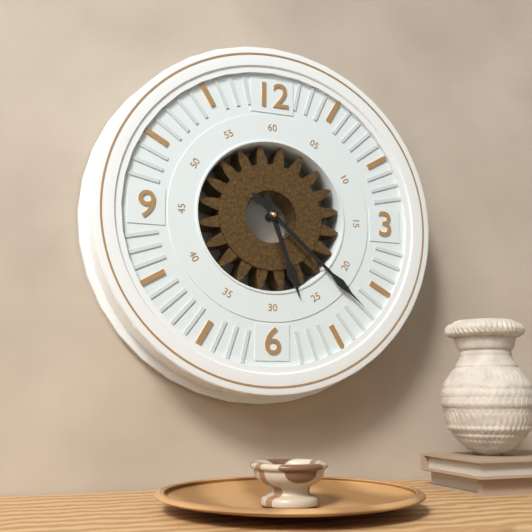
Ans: 5:22
